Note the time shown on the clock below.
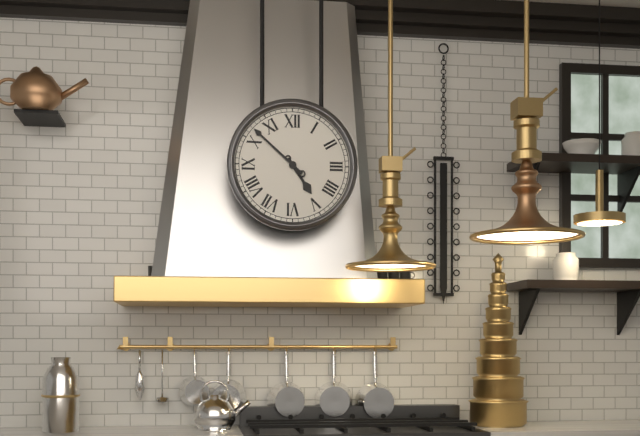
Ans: 4:52
